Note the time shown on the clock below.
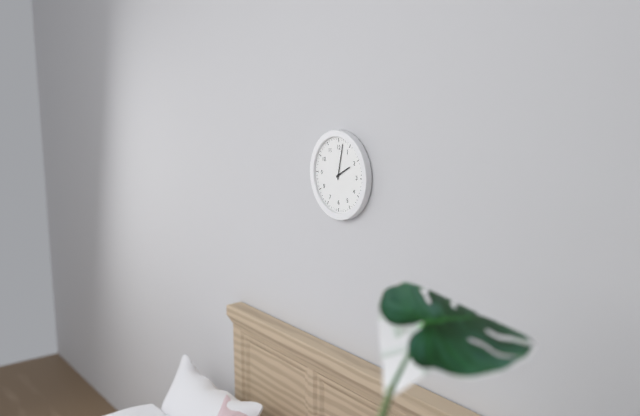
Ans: 2:02
